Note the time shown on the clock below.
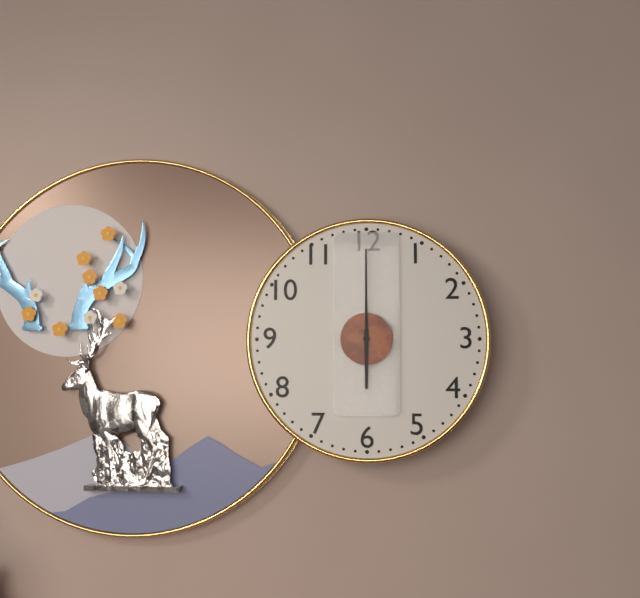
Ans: 6:00
